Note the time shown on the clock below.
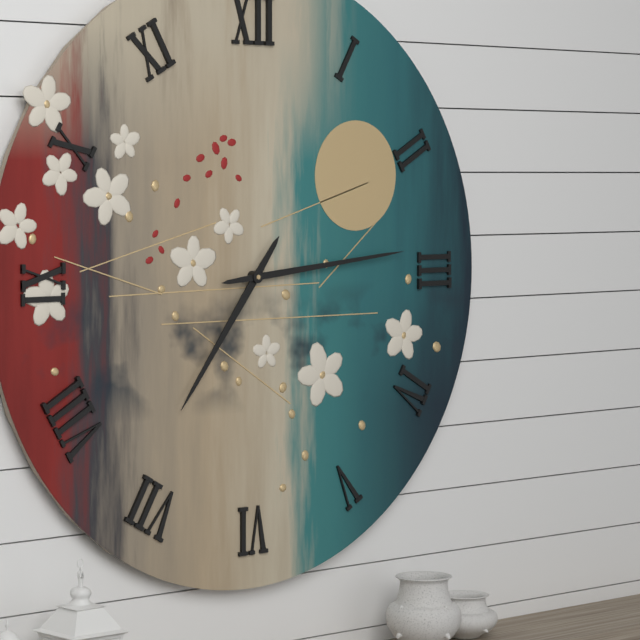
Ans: 7:14
